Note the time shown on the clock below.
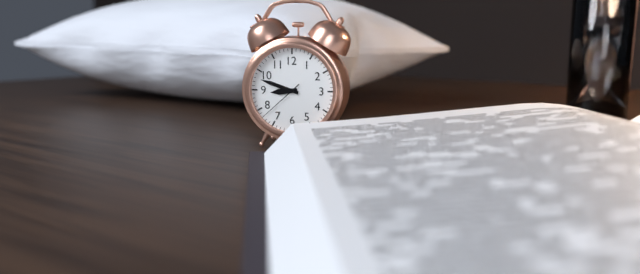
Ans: 8:48
